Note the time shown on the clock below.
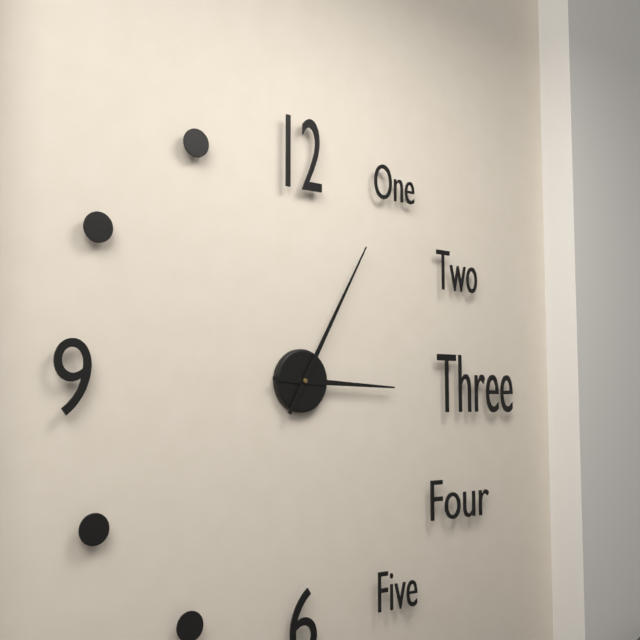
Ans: 3:05
